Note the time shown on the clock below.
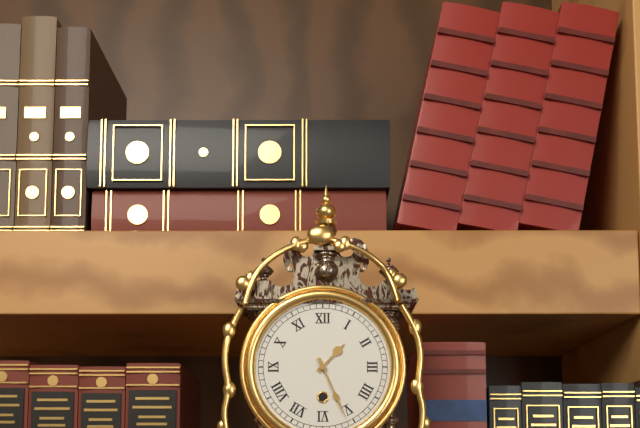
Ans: 1:26
